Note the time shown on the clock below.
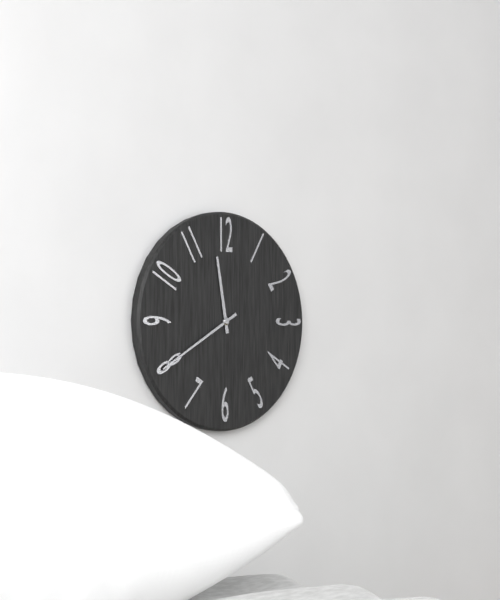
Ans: 11:40
